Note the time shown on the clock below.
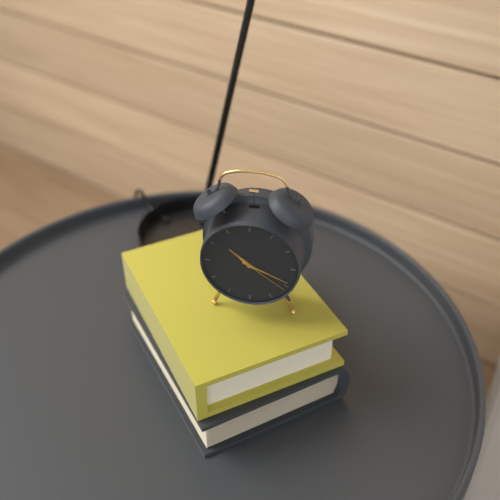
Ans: 10:19:21
